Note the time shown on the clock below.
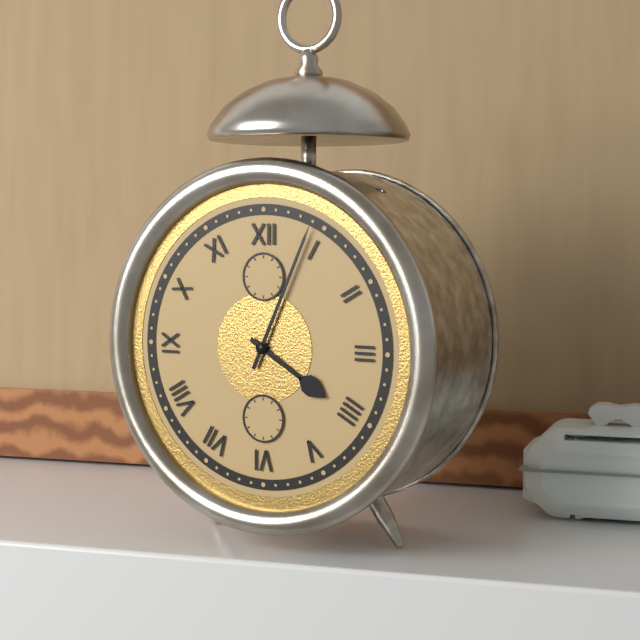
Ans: 4:04
